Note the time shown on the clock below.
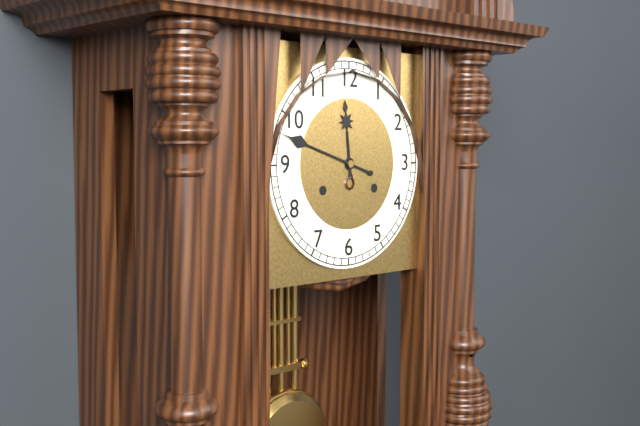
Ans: 11:48
